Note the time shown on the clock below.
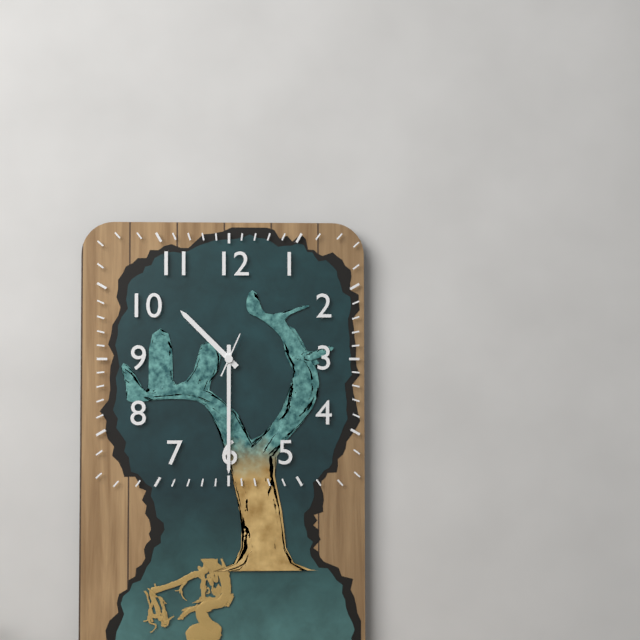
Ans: 10:30
